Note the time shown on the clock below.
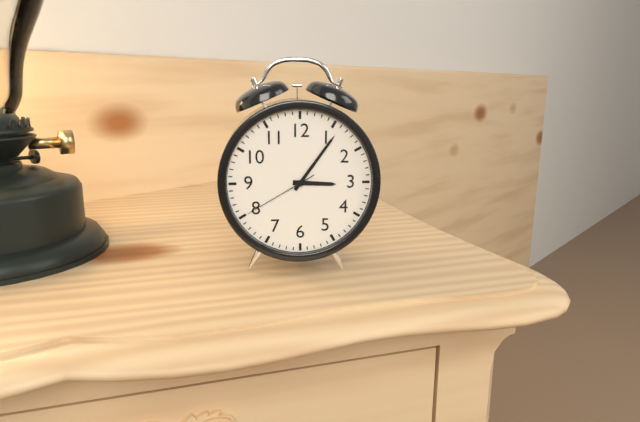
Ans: 3:06:40
